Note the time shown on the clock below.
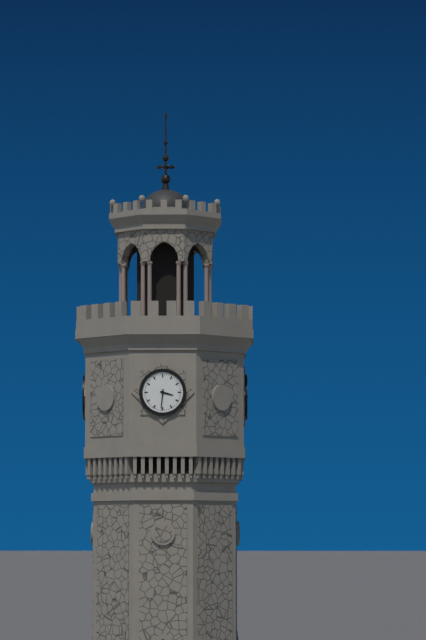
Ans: 3:31
